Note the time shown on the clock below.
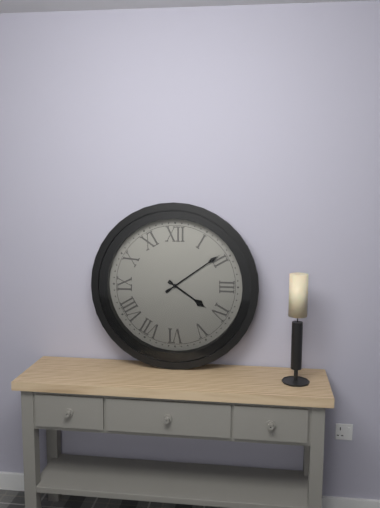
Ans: 4:09
